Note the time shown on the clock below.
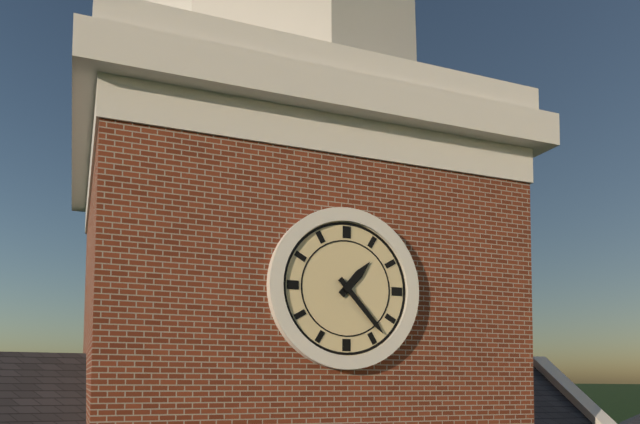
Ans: 1:23
